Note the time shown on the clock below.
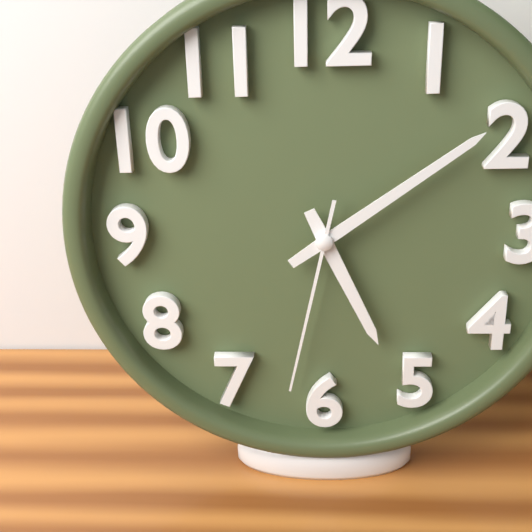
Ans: 5:09:32
